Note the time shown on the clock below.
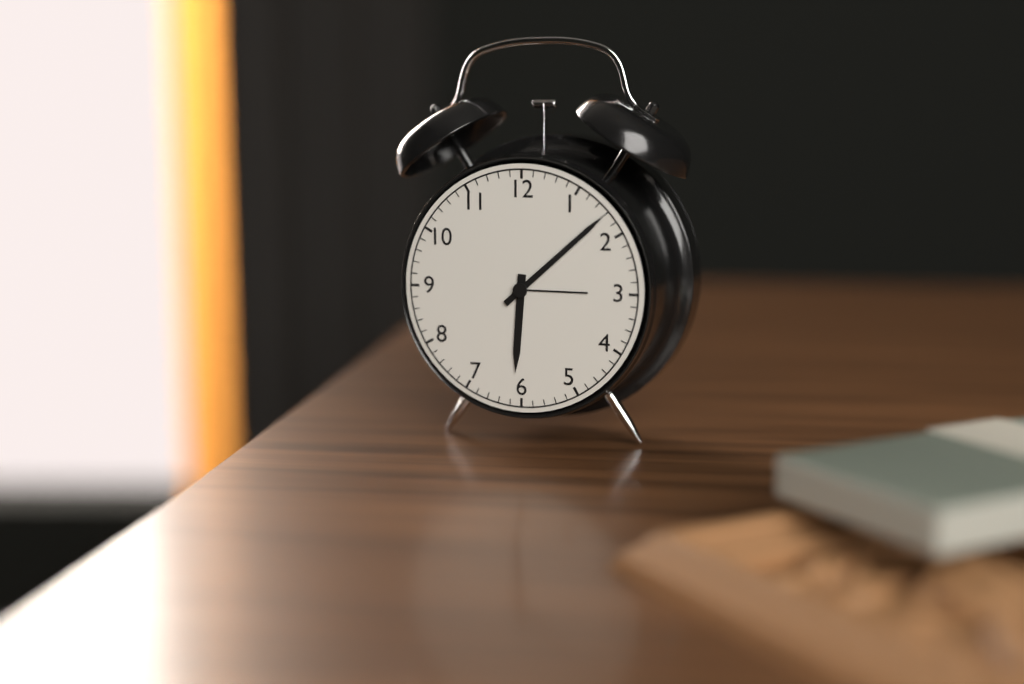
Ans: 6:08
